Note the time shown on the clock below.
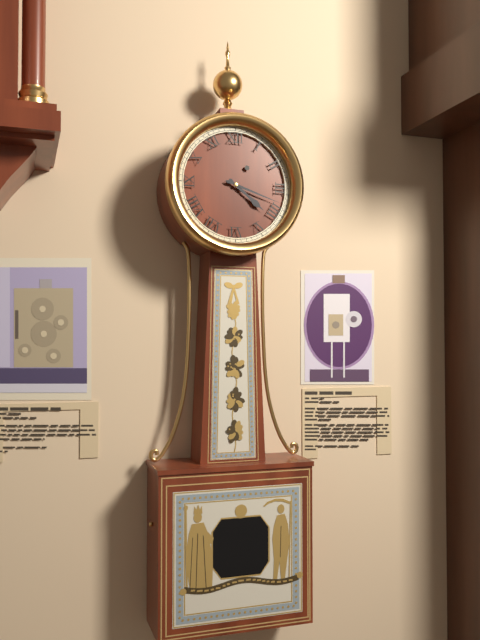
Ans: 4:18
